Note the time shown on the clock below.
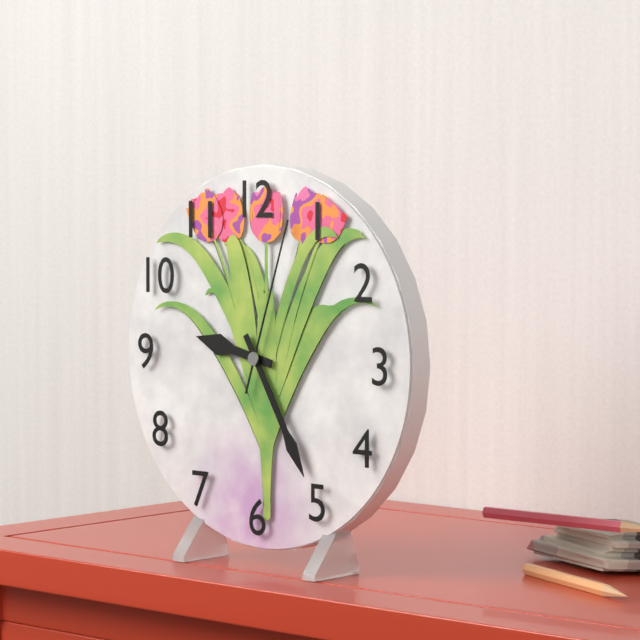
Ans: 9:25:03
